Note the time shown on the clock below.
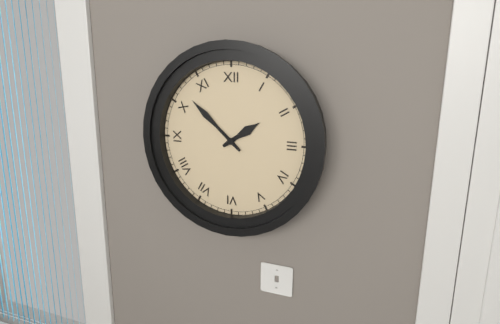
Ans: 1:52
